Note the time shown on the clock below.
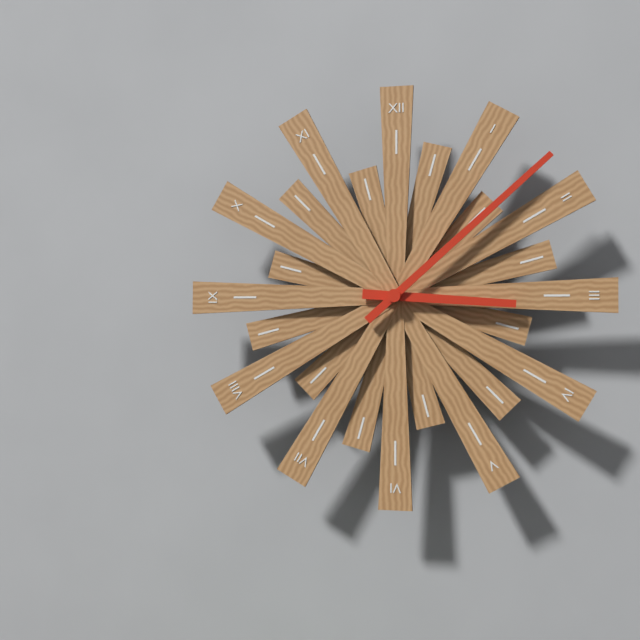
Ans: 3:08
